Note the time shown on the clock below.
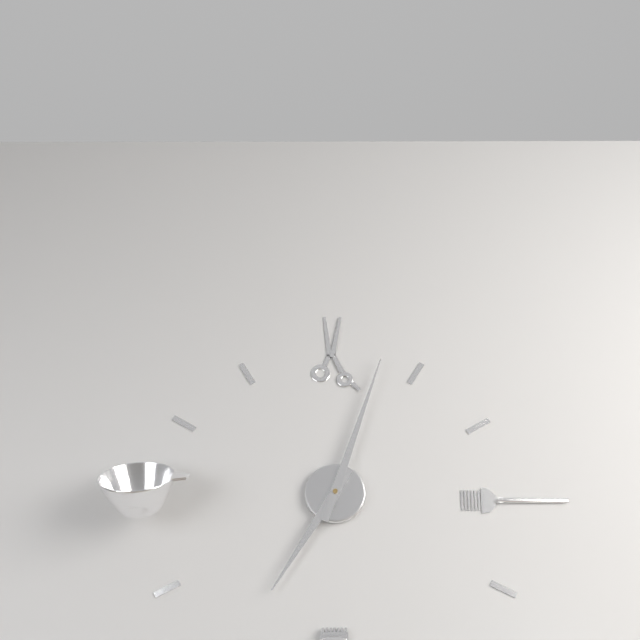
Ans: 7:03
